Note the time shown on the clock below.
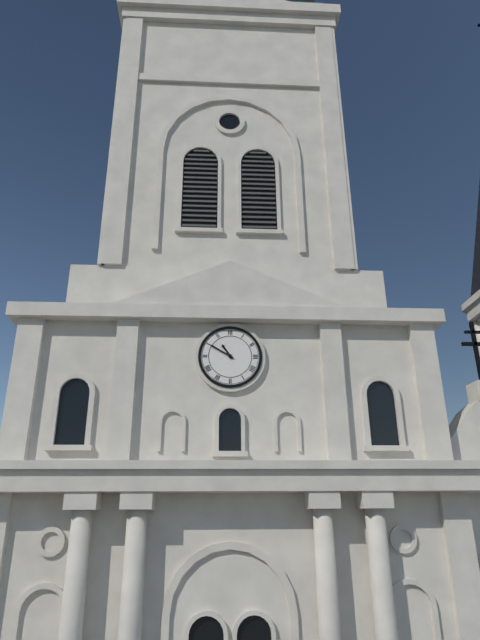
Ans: 10:50
